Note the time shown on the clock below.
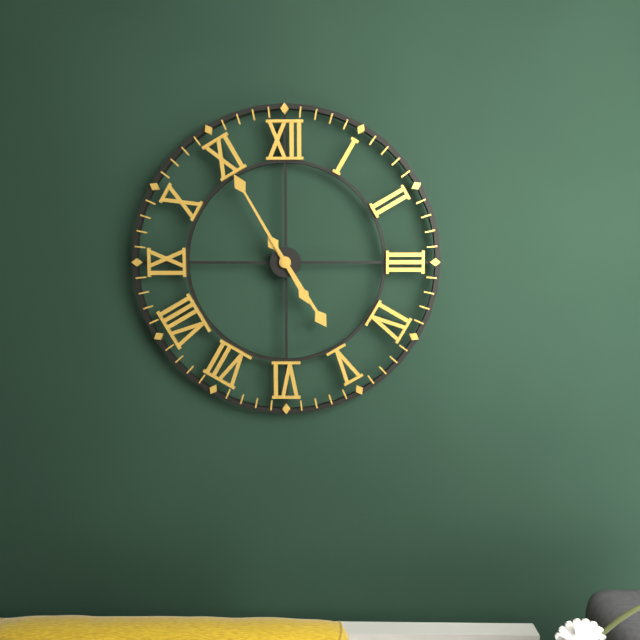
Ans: 4:55
